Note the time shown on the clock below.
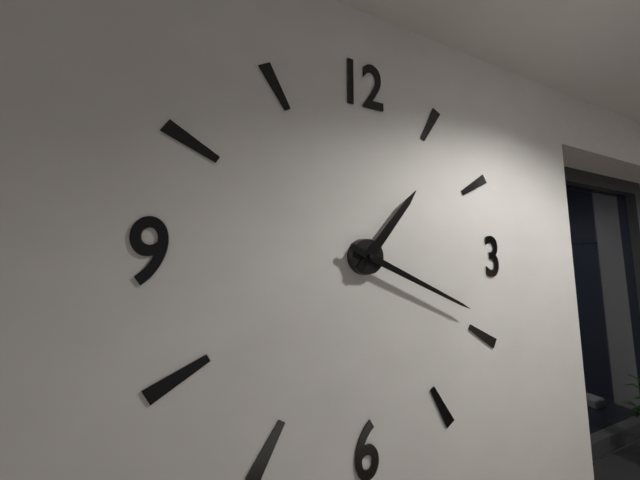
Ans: 1:19
